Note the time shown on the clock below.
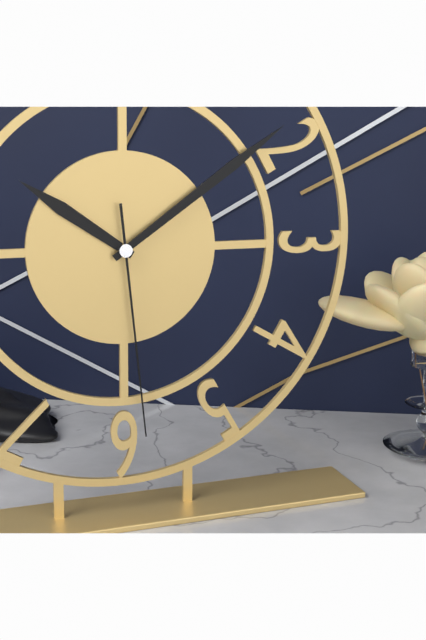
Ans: 10:09:29
